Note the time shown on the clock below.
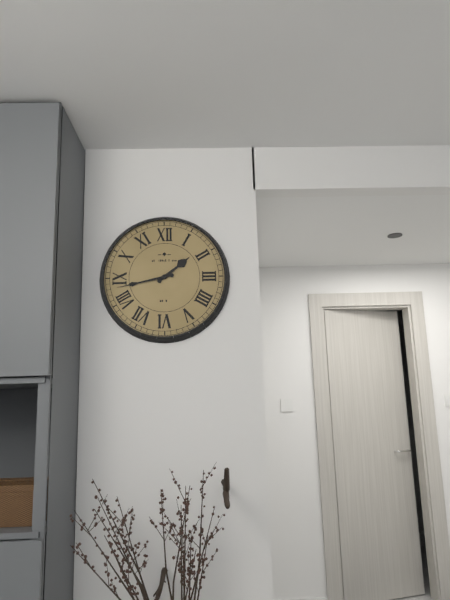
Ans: 1:43
